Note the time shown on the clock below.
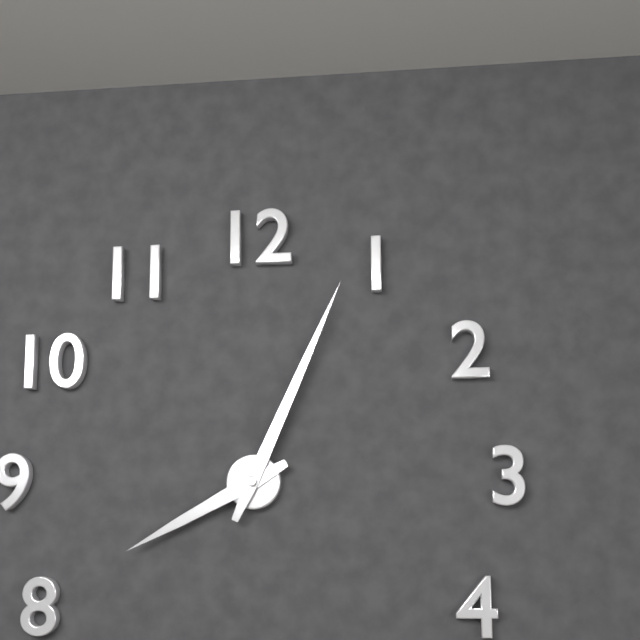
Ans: 8:04
